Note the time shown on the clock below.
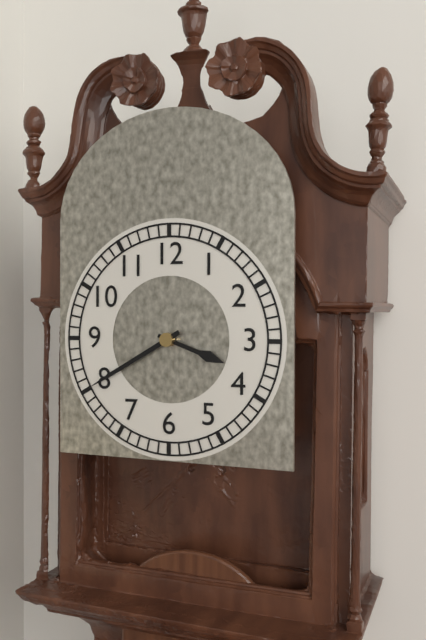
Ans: 3:40
